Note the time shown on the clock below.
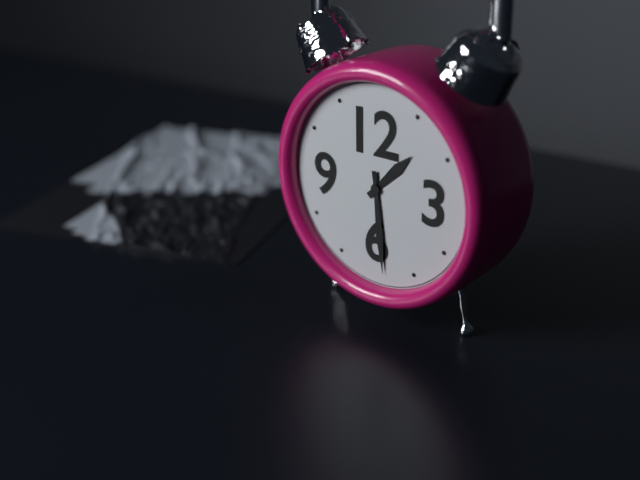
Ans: 1:29
